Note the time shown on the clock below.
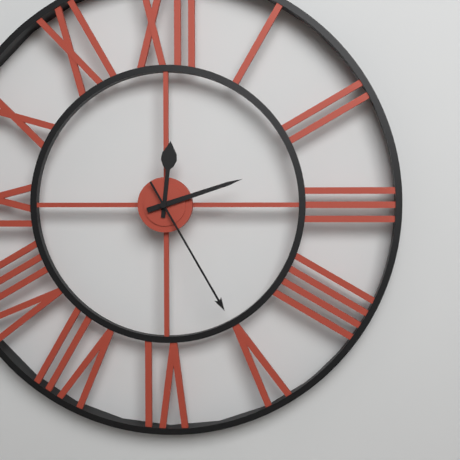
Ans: 12:12:25
